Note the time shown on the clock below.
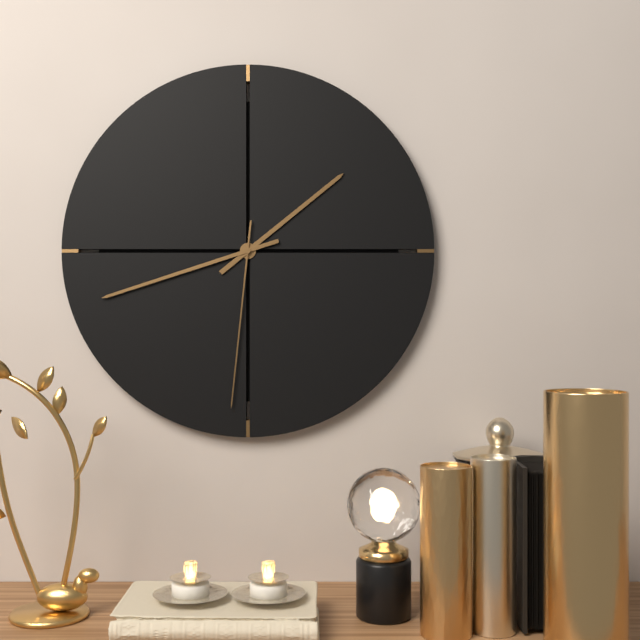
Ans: 1:42:31
